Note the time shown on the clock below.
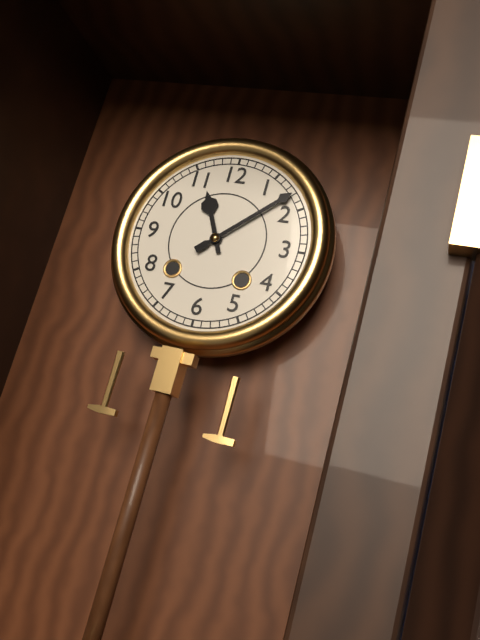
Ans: 11:08
